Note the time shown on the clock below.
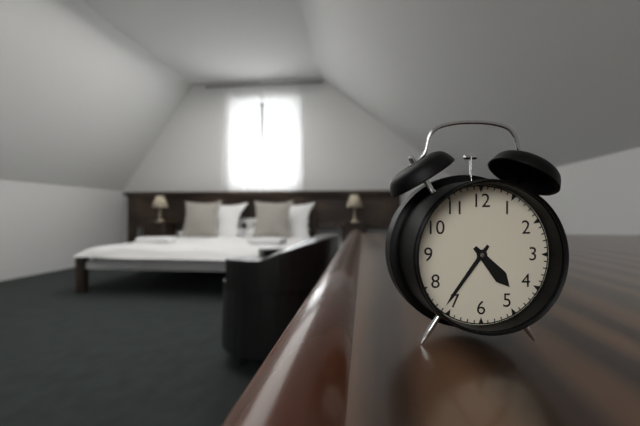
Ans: 4:36
